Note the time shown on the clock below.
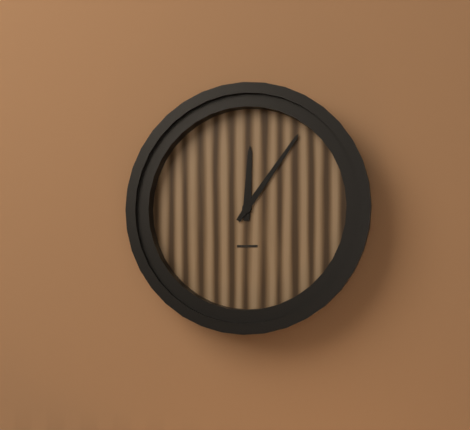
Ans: 12:06
